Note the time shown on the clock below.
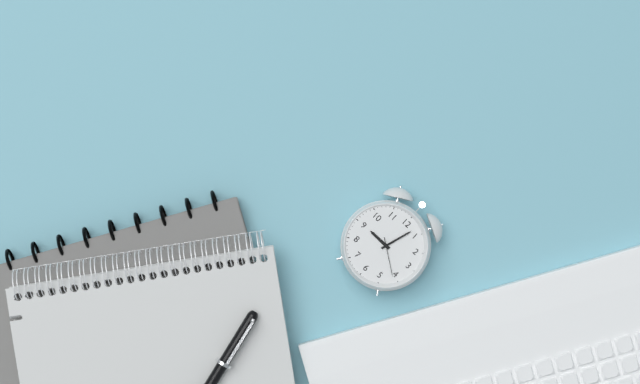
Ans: 9:03
